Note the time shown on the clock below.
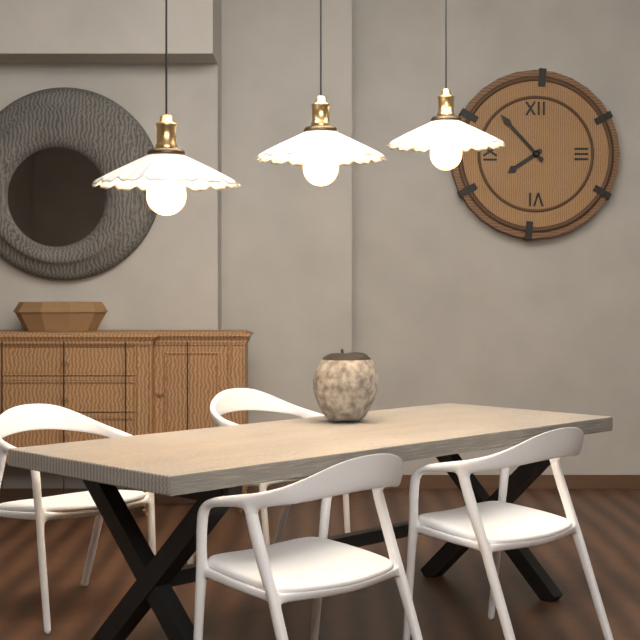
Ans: 7:53
